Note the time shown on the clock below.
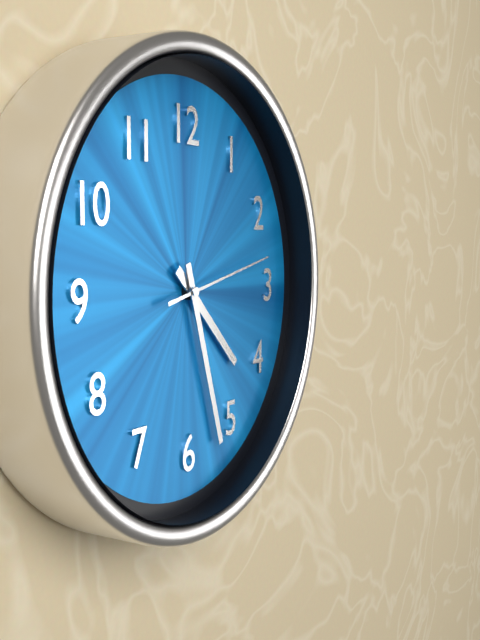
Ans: 4:27:13
